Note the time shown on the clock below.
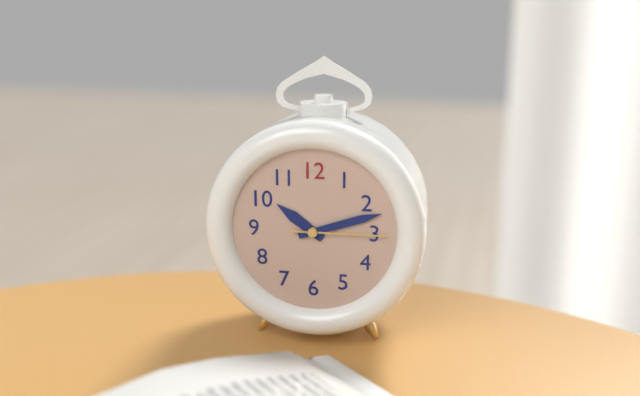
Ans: 10:12:15
